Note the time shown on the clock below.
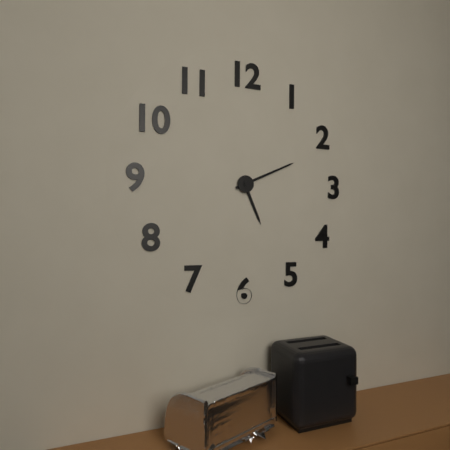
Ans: 5:11
